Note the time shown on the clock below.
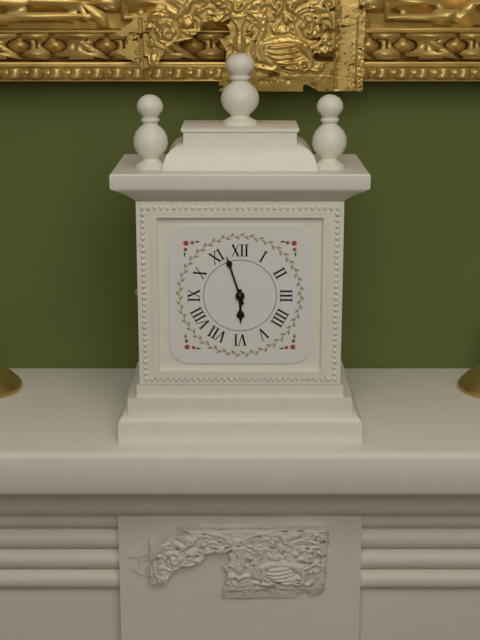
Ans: 5:57
